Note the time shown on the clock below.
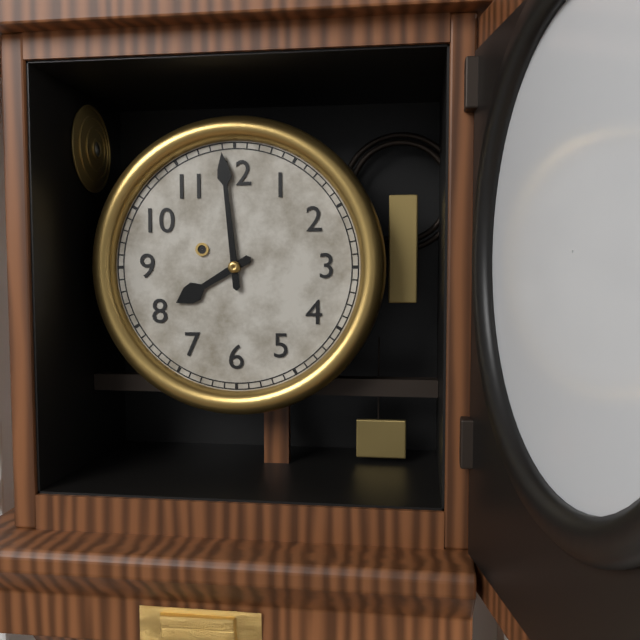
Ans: 7:59
